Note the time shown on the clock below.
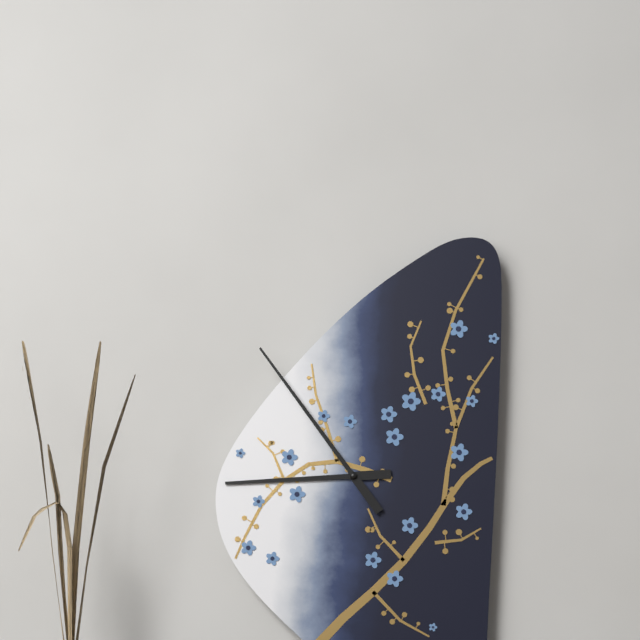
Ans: 8:54
